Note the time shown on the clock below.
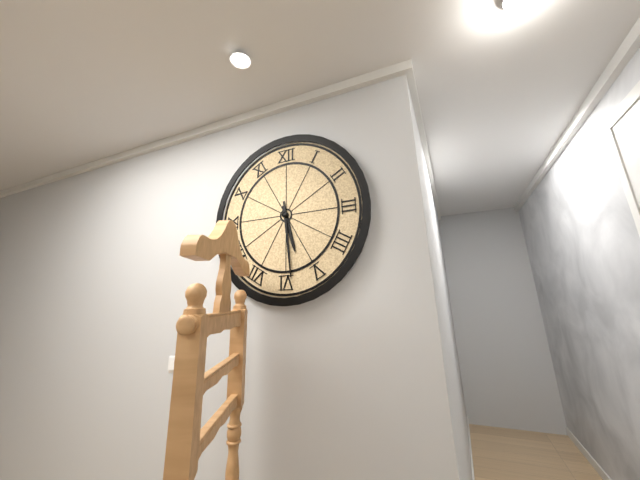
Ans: 5:29
